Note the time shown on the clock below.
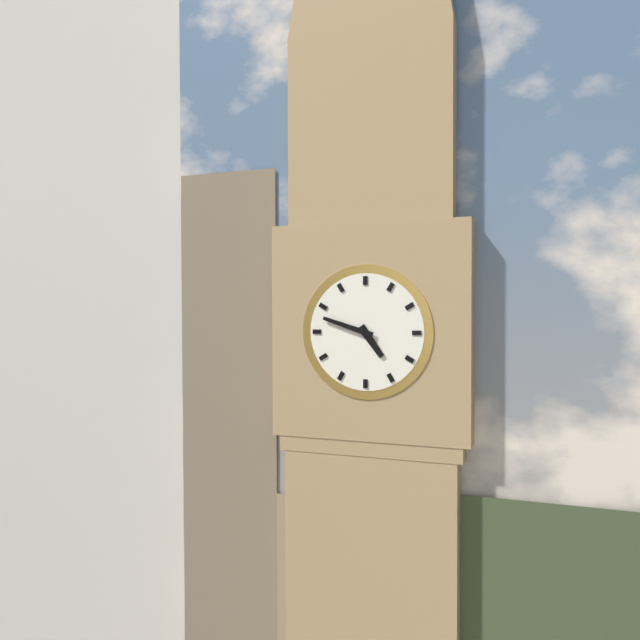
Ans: 4:48
